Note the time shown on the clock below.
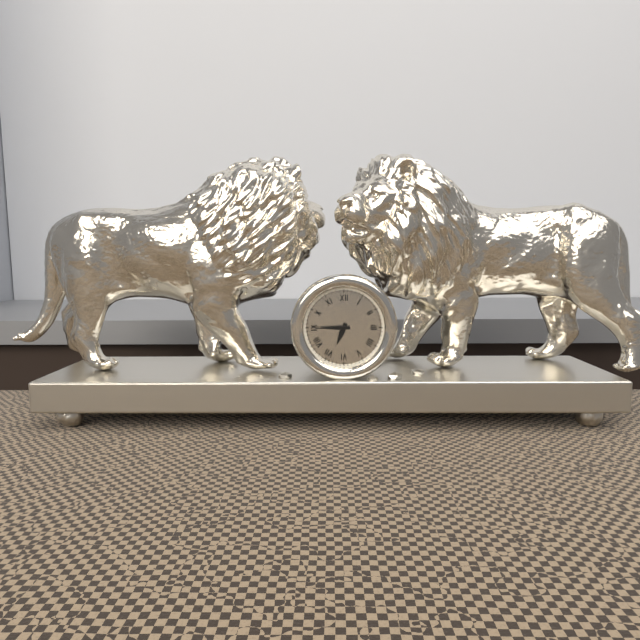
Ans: 6:45
